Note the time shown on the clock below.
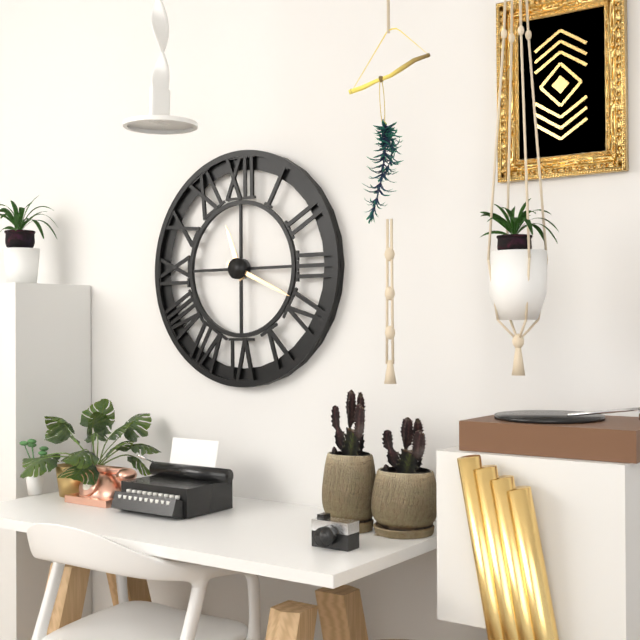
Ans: 11:19
